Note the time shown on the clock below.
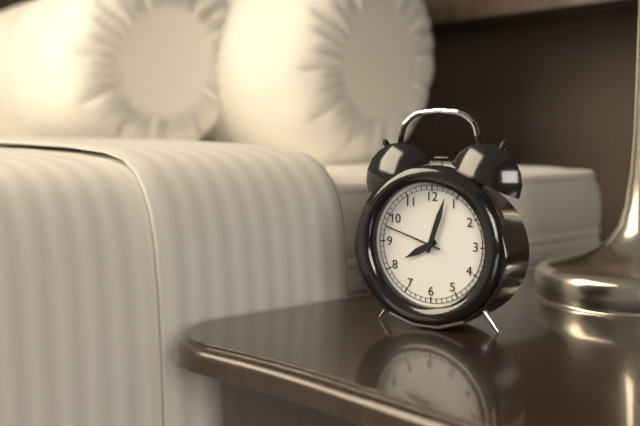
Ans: 8:03:48
